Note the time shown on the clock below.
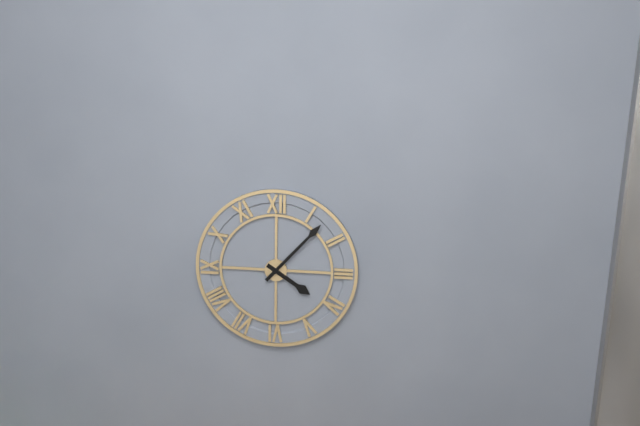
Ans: 4:07
